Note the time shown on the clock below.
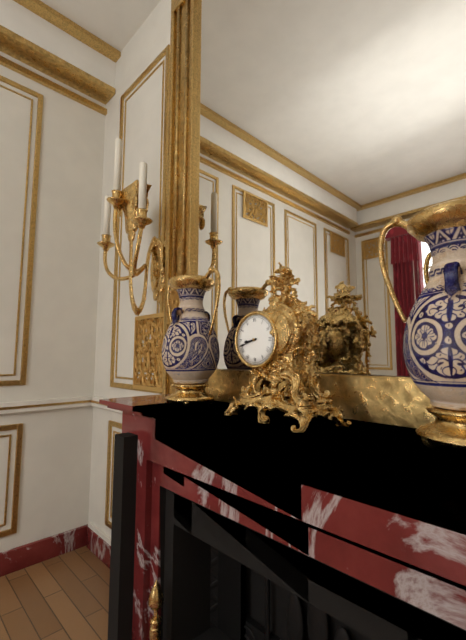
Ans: 8:42
